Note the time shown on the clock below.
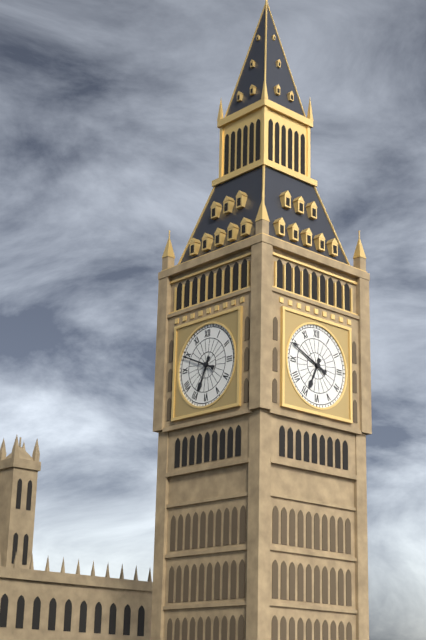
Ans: 6:49
